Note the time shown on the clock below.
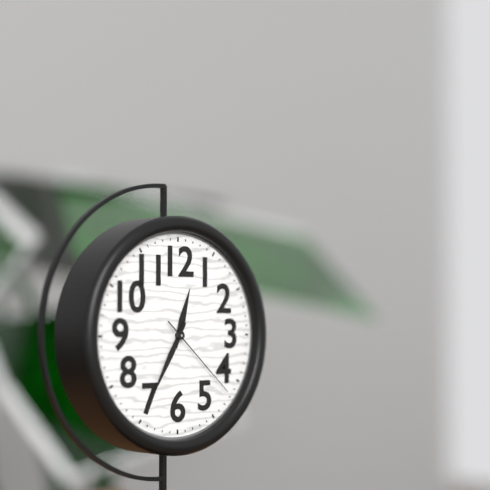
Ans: 12:35:22
